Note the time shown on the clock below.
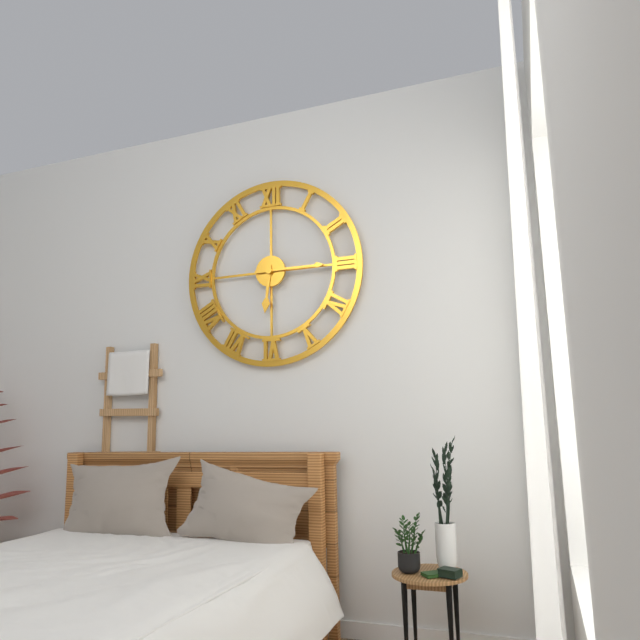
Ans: 6:15
